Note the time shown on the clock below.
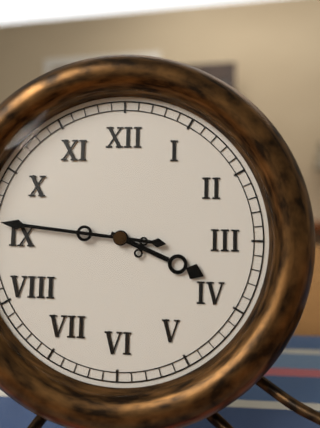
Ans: 3:46
